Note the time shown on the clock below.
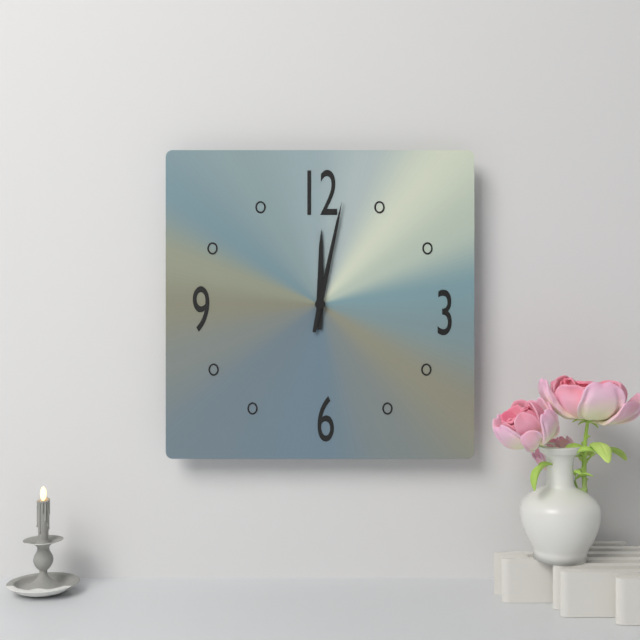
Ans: 12:02
